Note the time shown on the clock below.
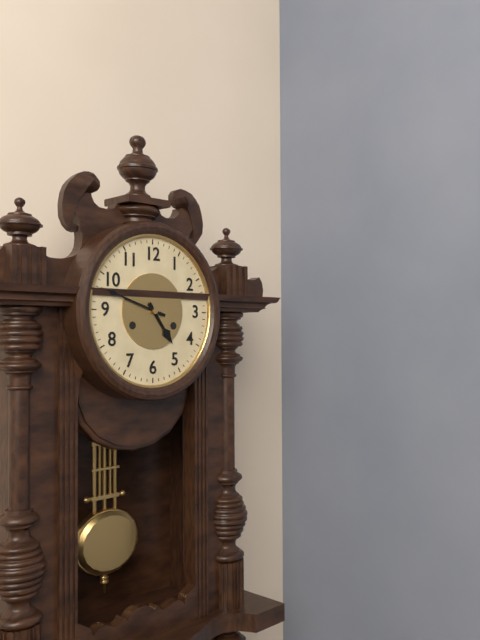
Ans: 4:48
